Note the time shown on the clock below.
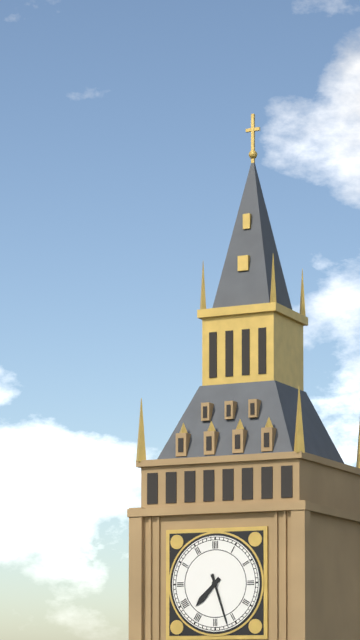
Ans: 7:27
